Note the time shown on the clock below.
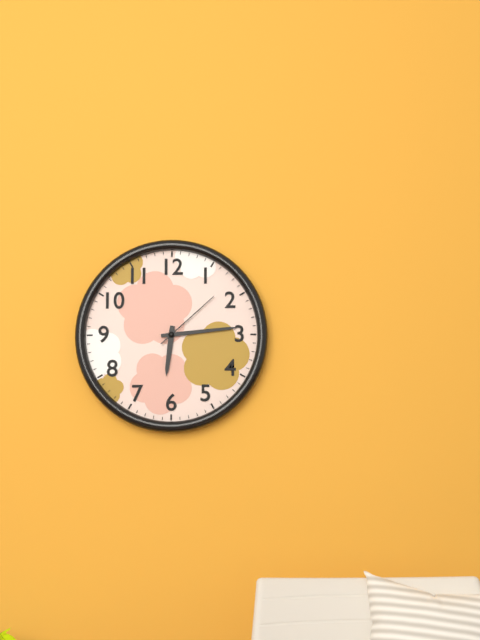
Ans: 6:14:08
